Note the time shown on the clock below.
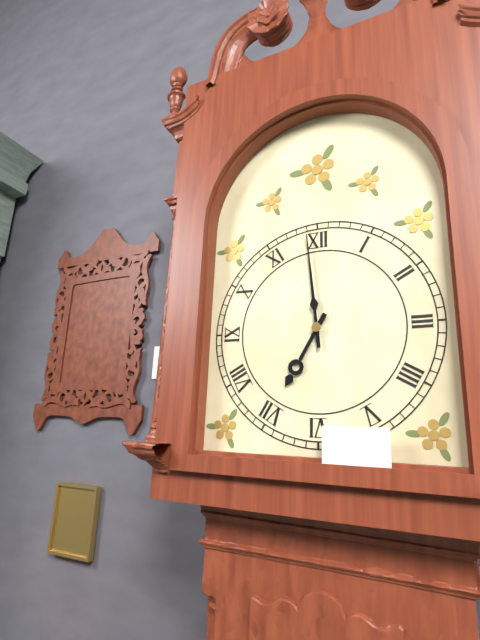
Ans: 6:59
